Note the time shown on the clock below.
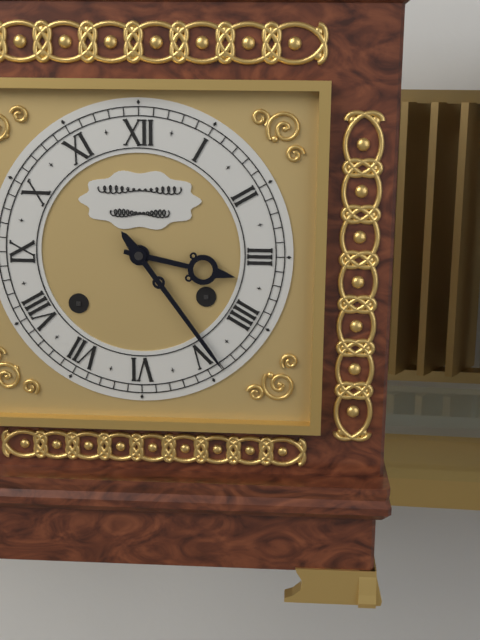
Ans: 3:24
